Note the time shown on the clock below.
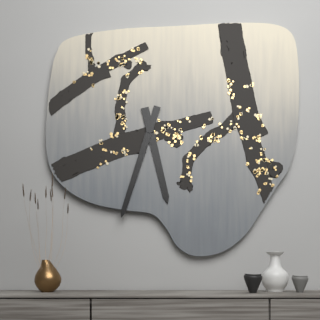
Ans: 5:33
